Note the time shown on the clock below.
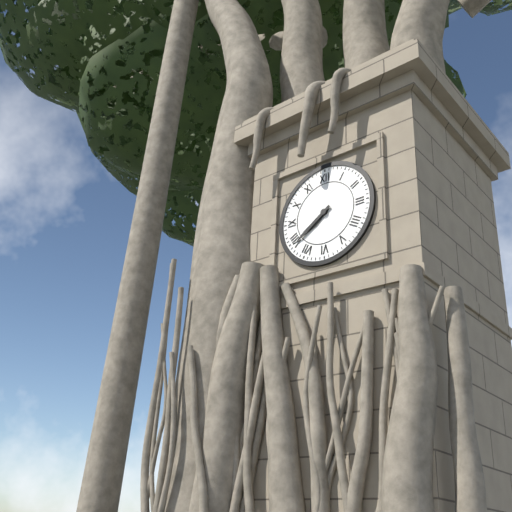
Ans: 7:39
